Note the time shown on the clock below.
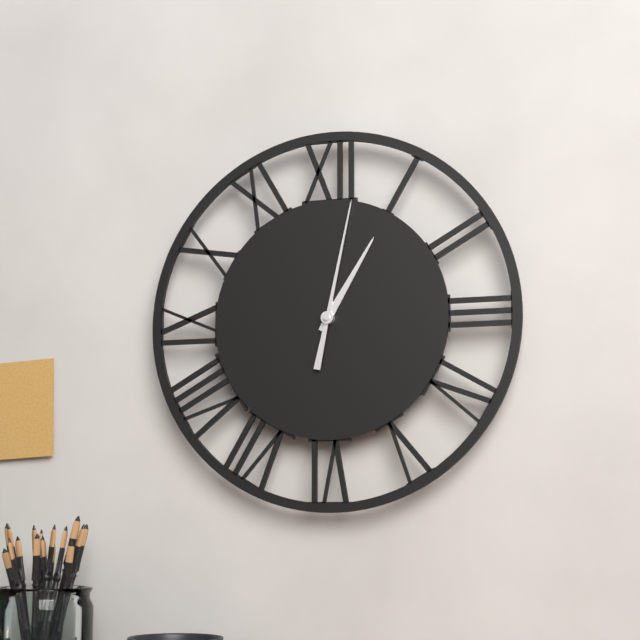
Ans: 1:02
